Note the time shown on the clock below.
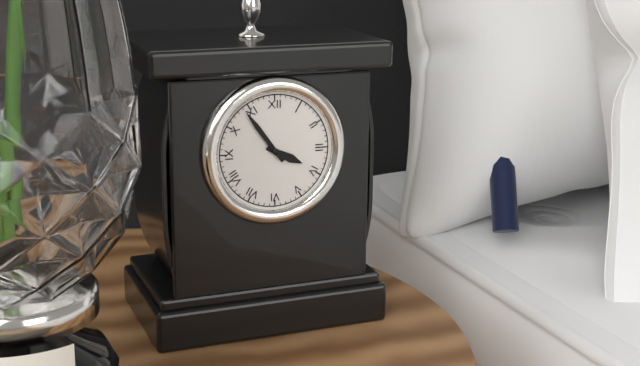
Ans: 3:54
